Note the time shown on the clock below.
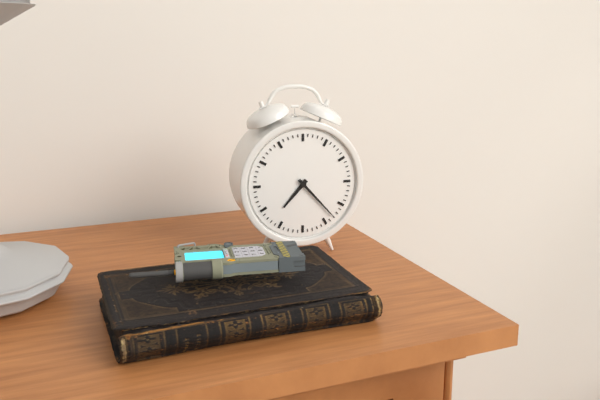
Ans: 7:23
